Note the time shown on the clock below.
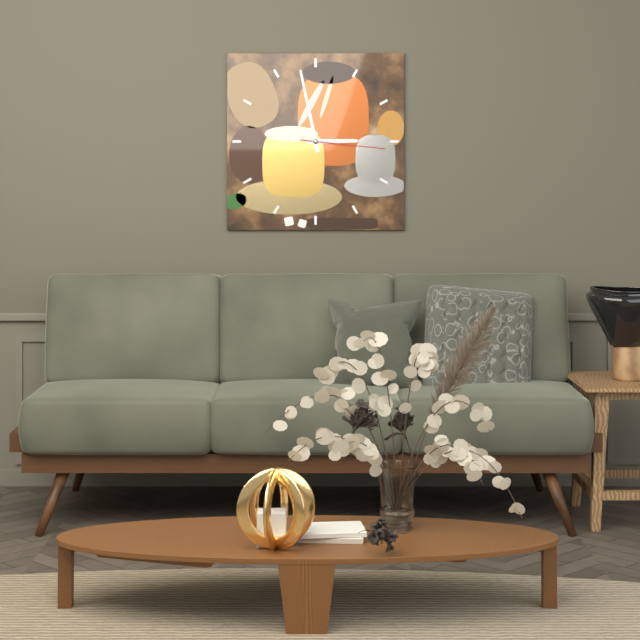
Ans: 2:58:16
